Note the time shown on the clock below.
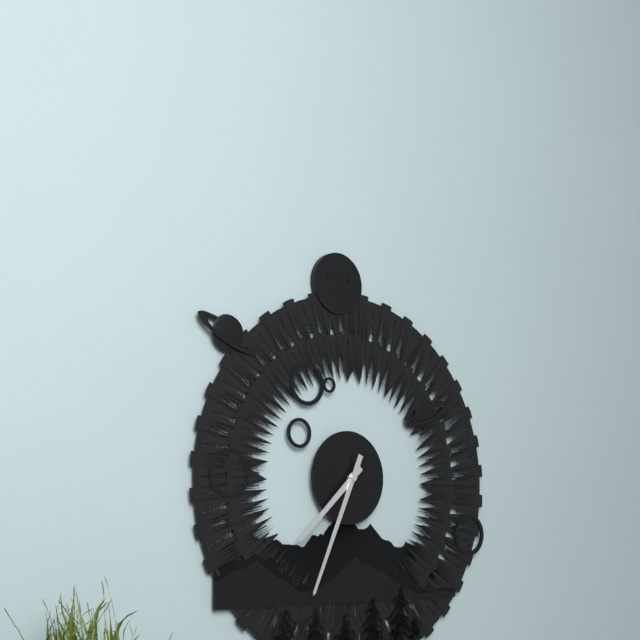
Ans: 7:34
